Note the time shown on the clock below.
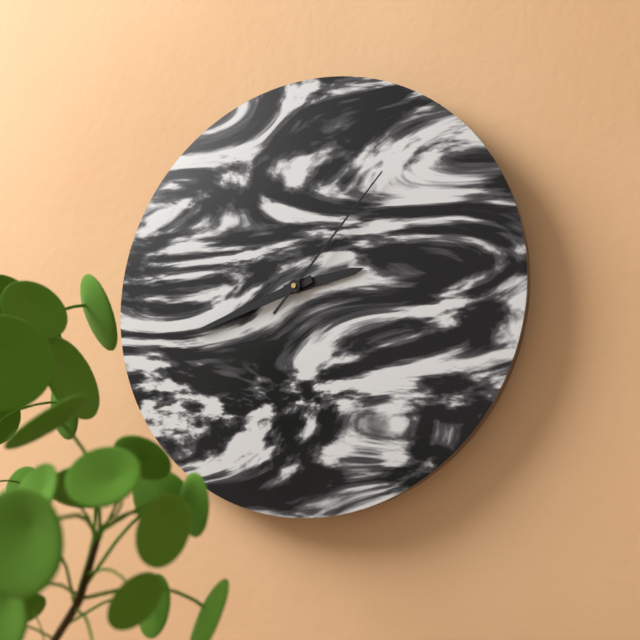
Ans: 2:42:07
